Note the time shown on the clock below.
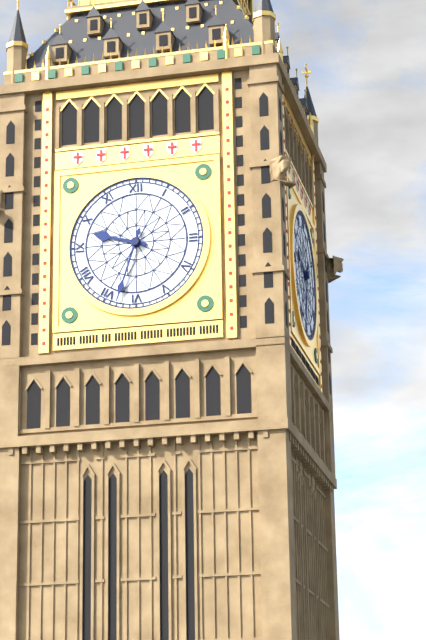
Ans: 9:33
